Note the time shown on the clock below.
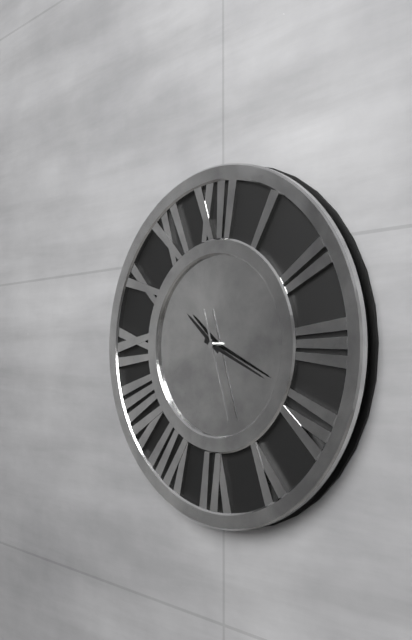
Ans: 10:19:27
